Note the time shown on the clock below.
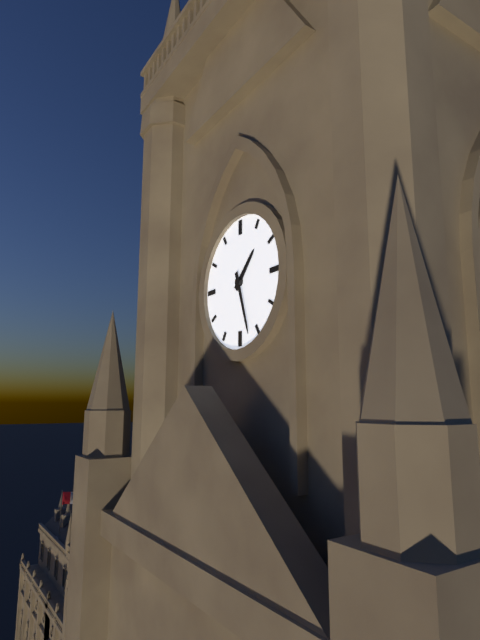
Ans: 1:27
